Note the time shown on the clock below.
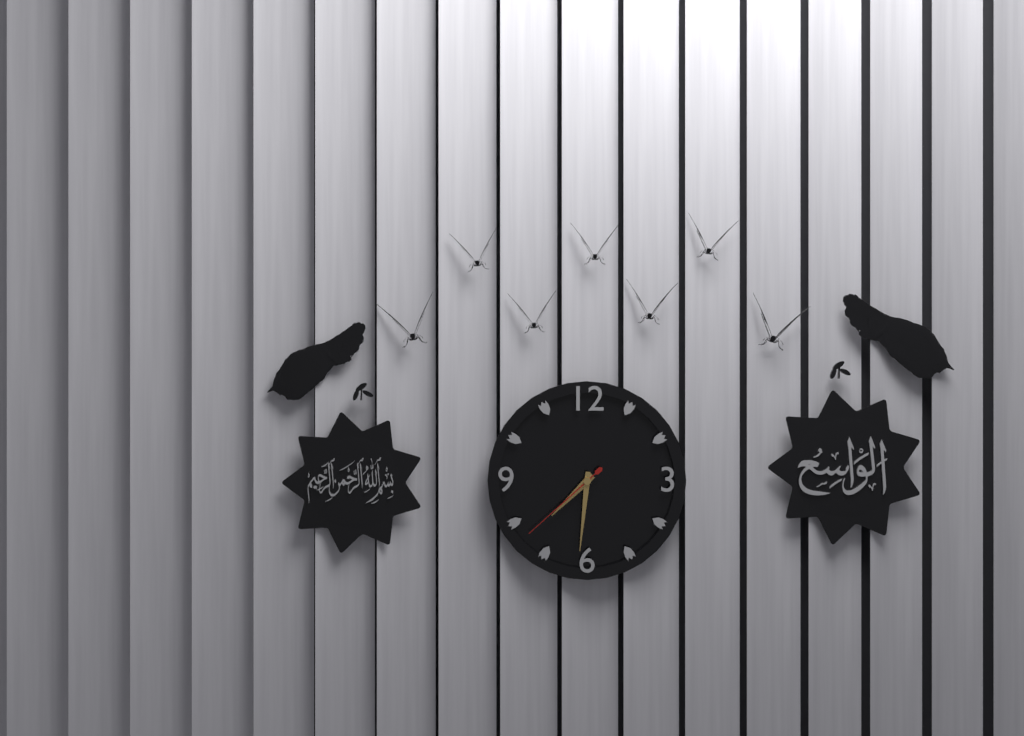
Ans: 7:31:38
